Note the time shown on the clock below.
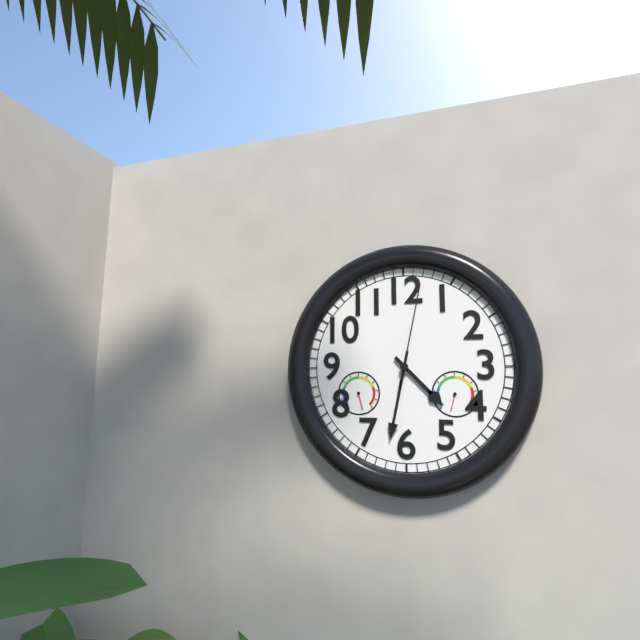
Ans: 4:32:02
